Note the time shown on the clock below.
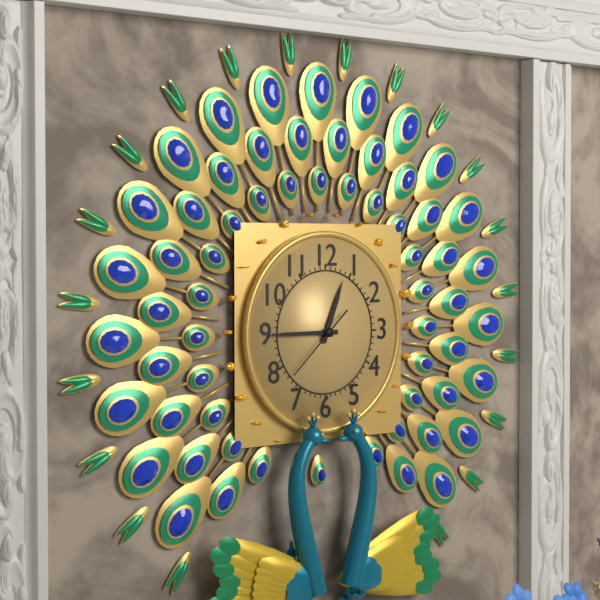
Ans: 12:45:38
